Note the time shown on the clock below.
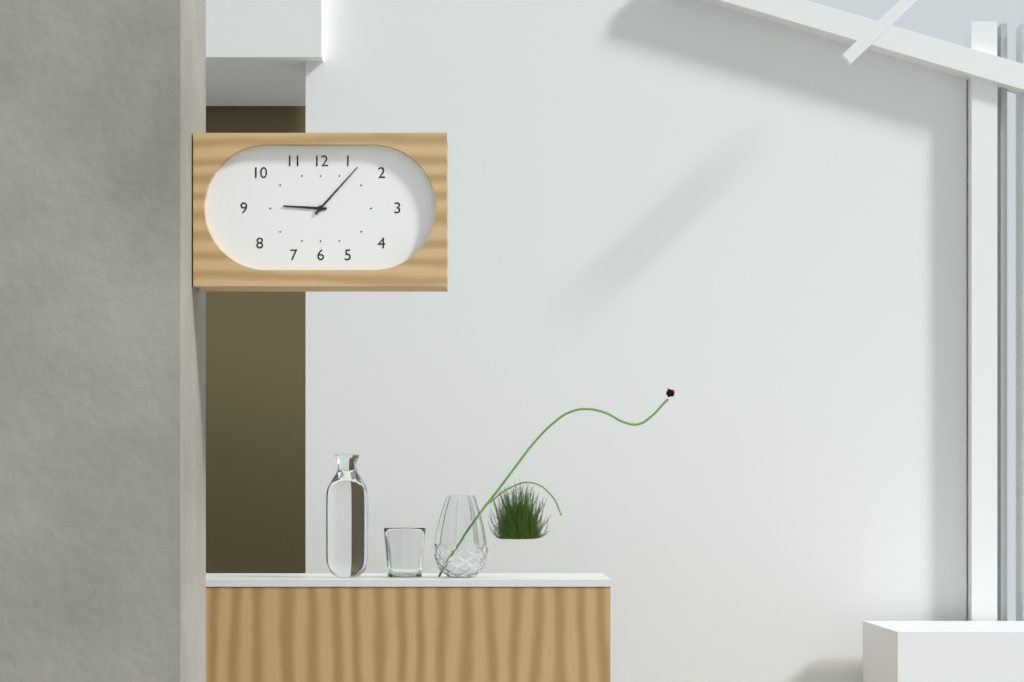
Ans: 9:07
